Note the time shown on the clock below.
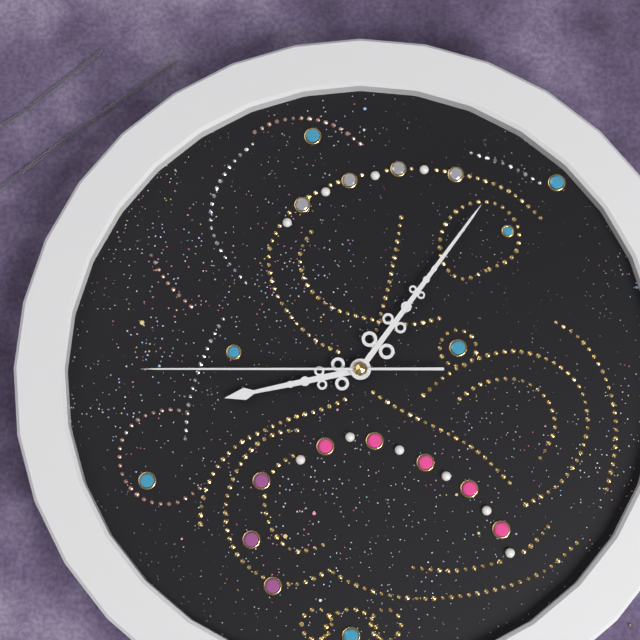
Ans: 2:36:15
